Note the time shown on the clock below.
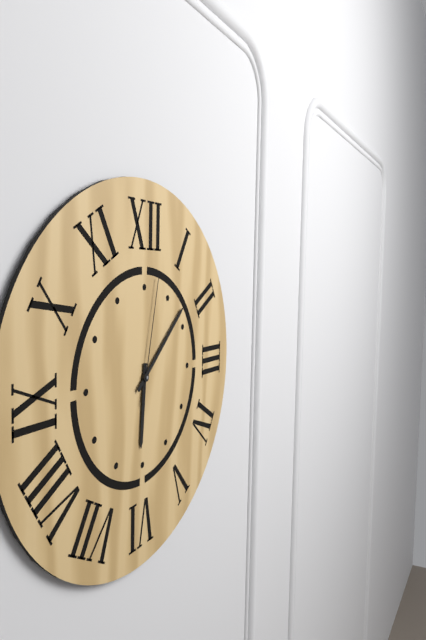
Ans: 6:08:02
